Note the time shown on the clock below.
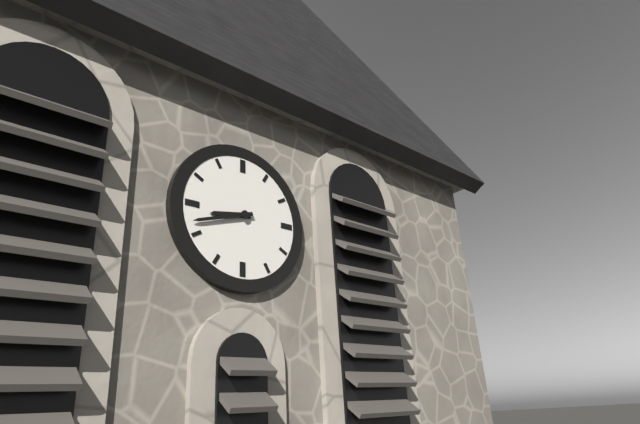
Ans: 8:42
